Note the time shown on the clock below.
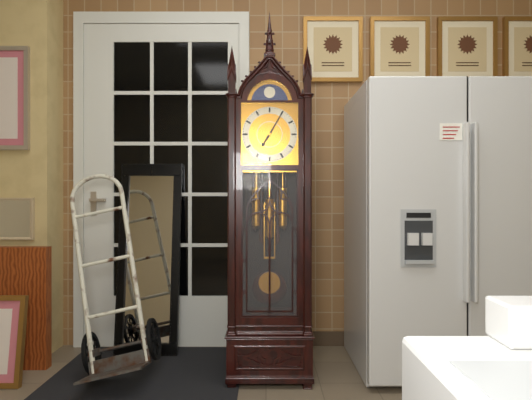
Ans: 7:05
